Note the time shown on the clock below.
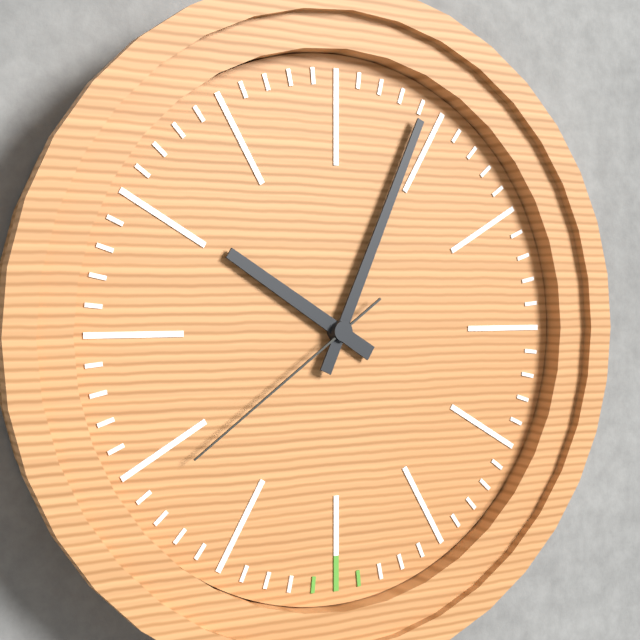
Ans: 10:04:39
